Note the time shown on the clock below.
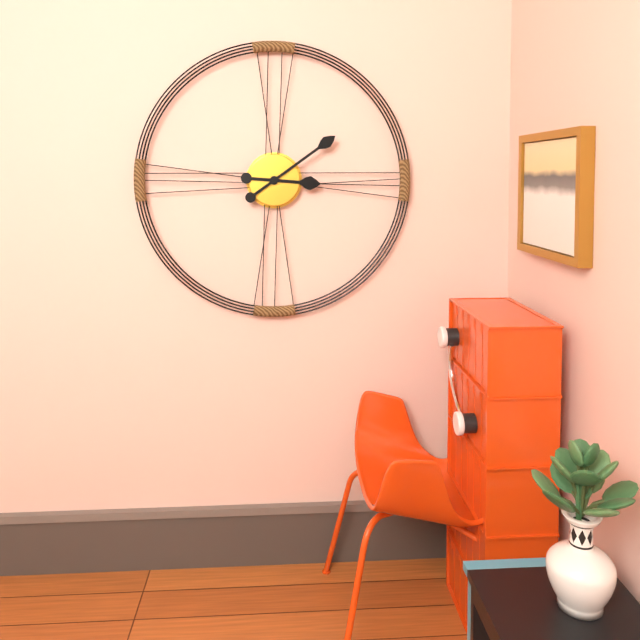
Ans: 3:09
